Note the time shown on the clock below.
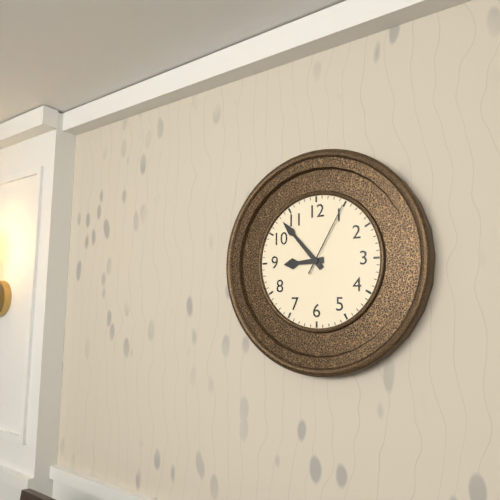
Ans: 8:53:05
